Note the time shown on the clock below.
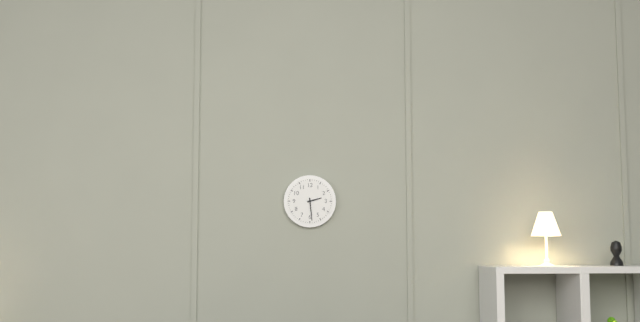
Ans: 2:29
